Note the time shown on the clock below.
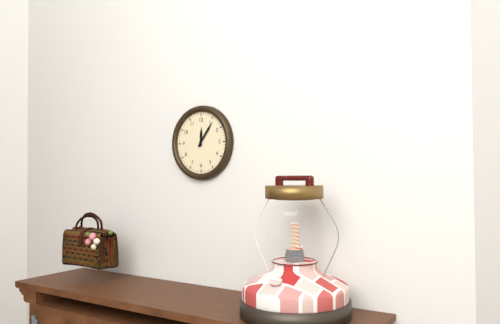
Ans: 12:06
